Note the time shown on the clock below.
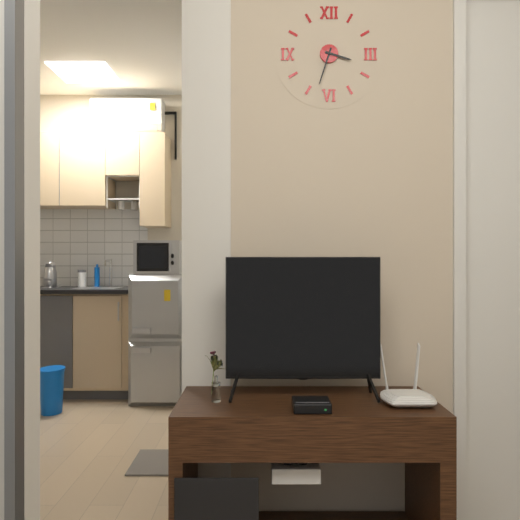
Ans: 3:33
